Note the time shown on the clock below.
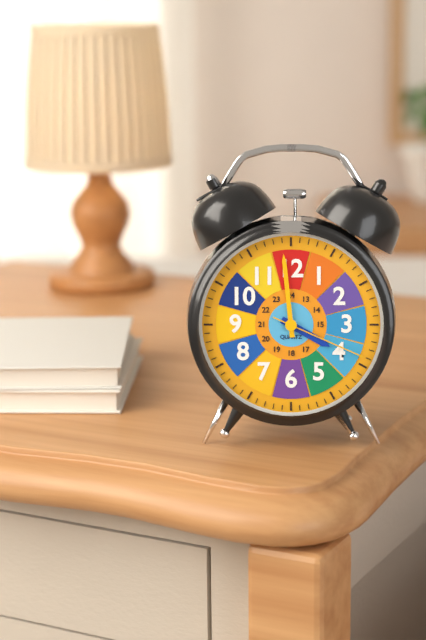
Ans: 3:59:19
